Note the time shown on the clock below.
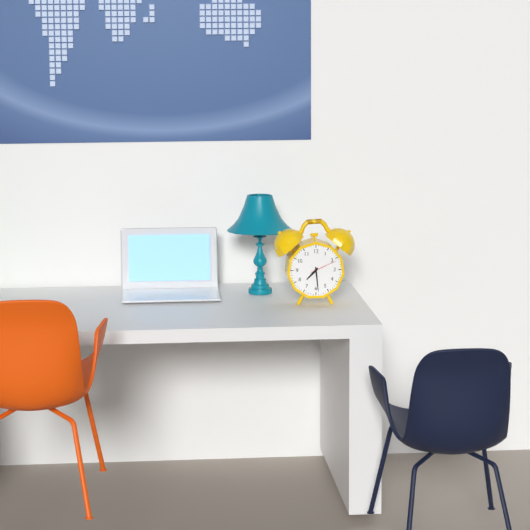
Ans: 7:29
